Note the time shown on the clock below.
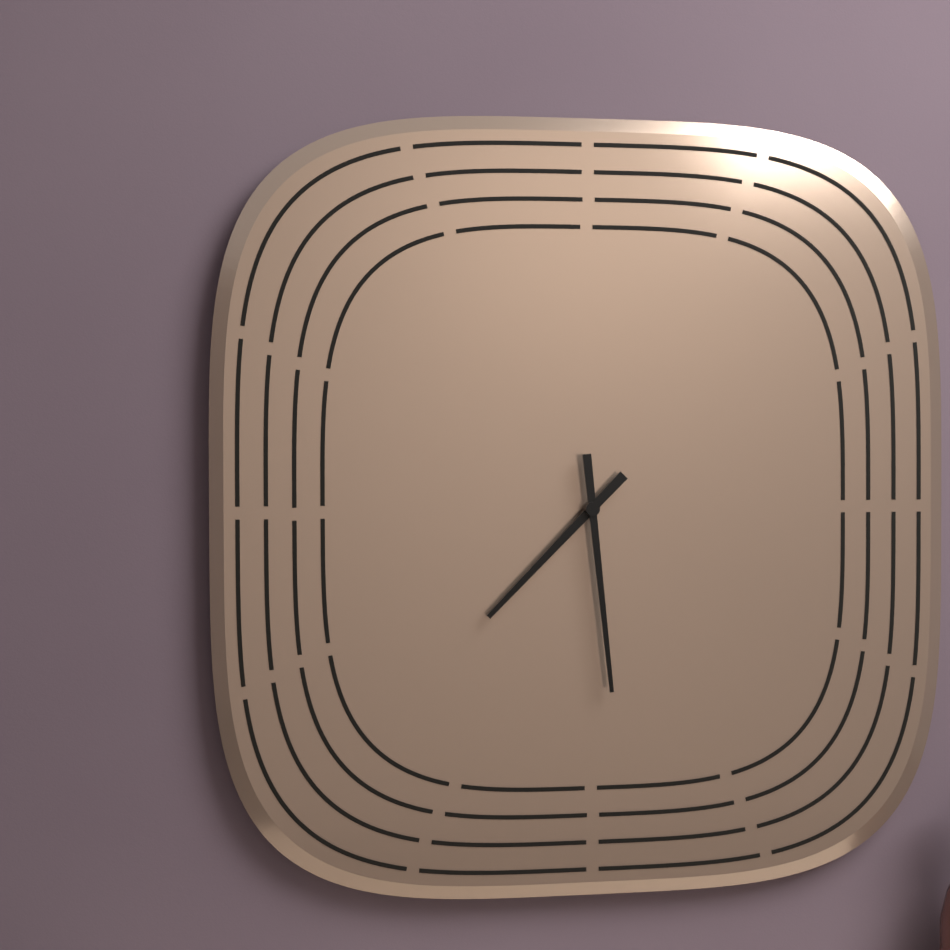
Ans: 7:29
